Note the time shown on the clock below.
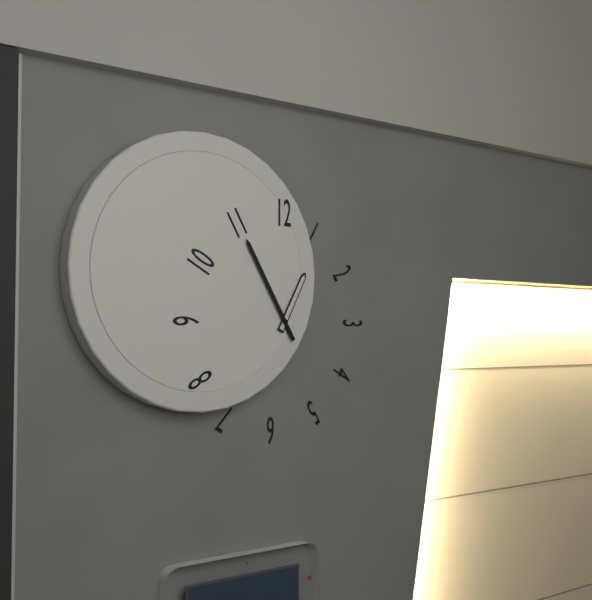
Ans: 12:55
